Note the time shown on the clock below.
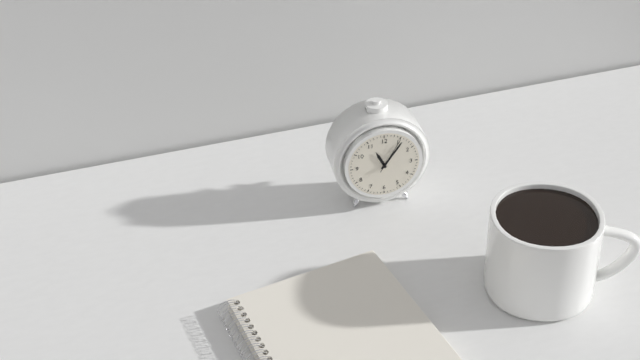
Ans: 11:06
